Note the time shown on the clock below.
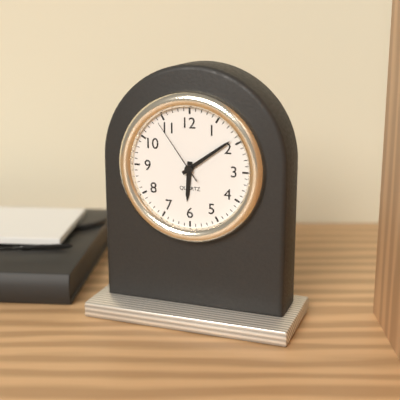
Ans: 6:09:54
